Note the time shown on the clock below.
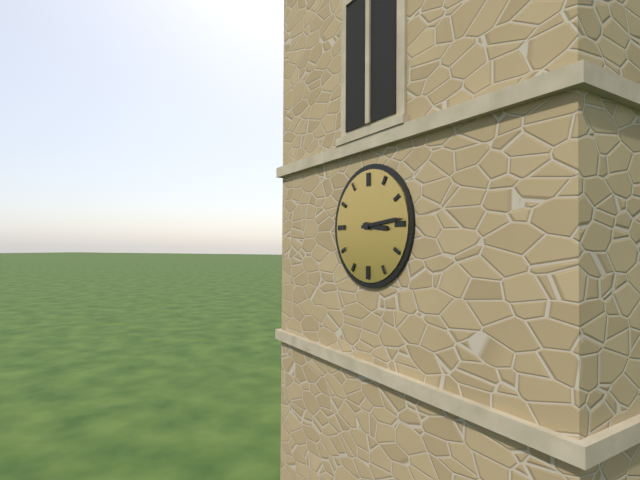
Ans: 3:14
